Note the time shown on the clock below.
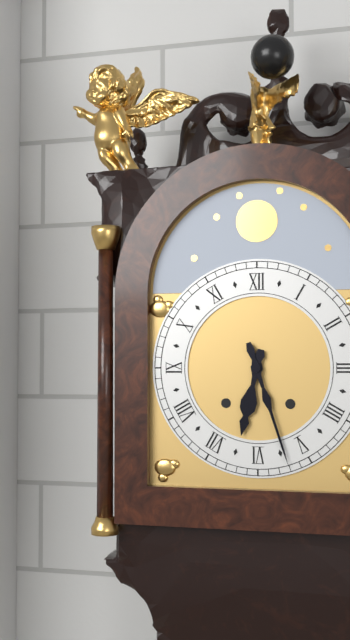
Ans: 6:27
